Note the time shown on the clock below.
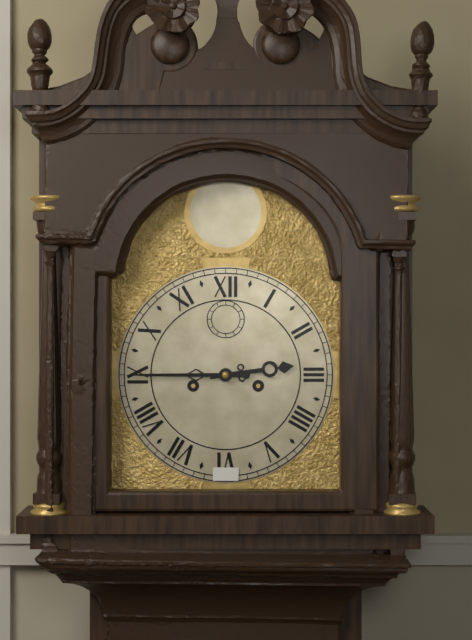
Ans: 2:45
